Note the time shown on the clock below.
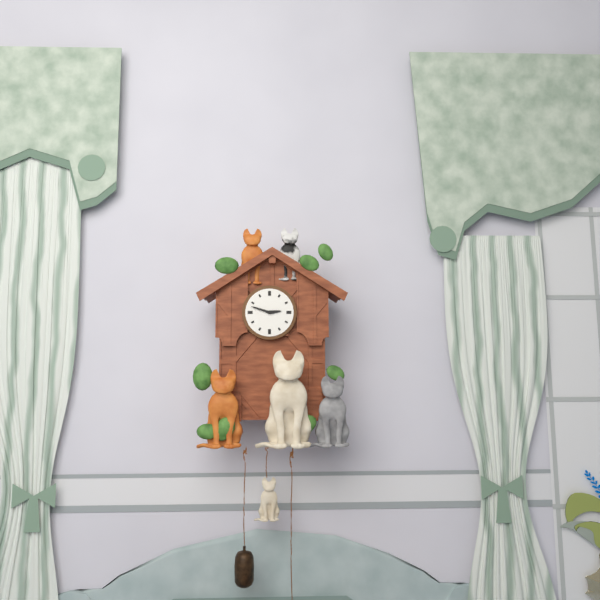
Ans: 2:48
